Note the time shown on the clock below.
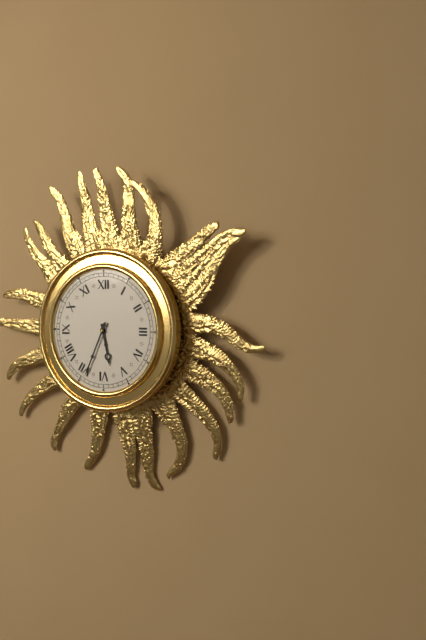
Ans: 5:34
